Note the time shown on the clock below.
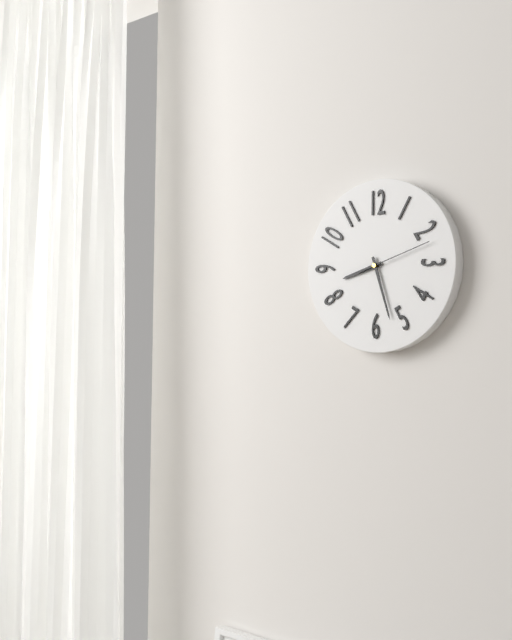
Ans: 8:27:12
